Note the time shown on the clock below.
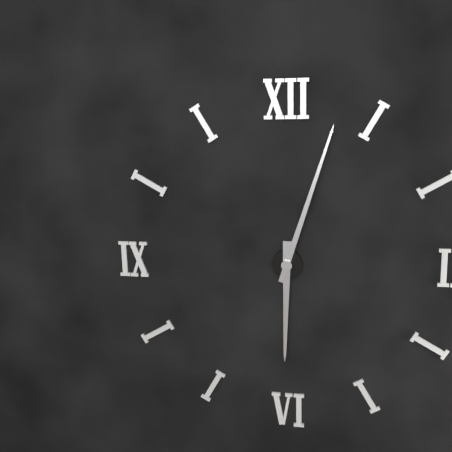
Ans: 6:03
